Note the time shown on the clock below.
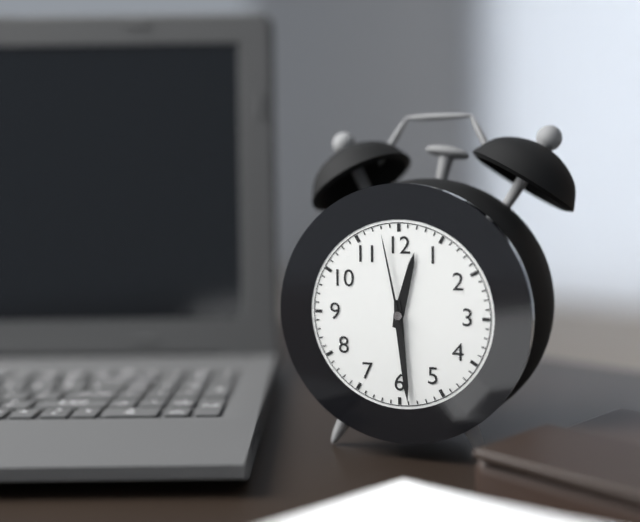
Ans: 12:29:58
